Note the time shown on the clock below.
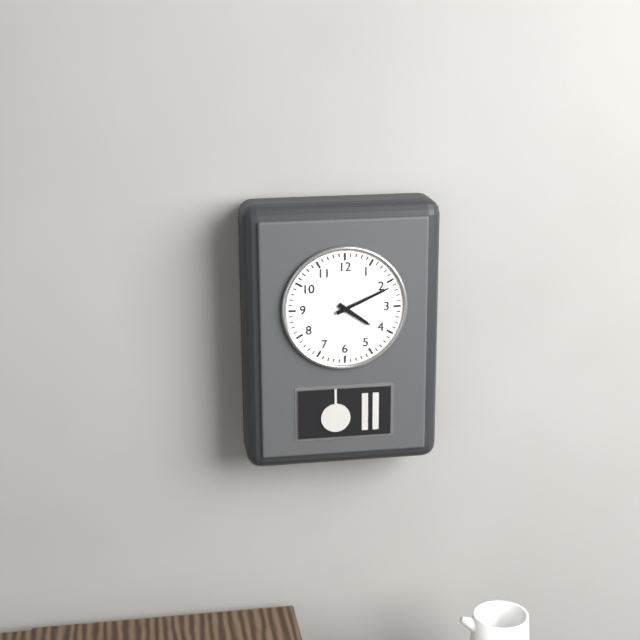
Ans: 4:11
